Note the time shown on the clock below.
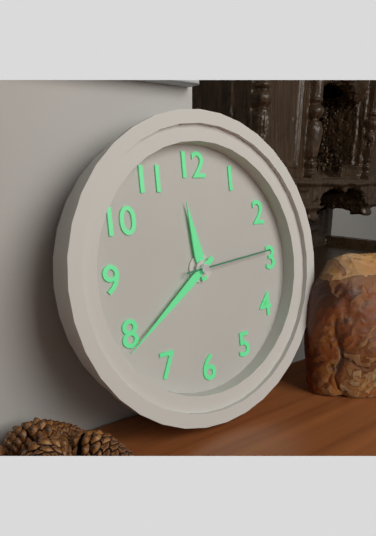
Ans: 11:39:14
